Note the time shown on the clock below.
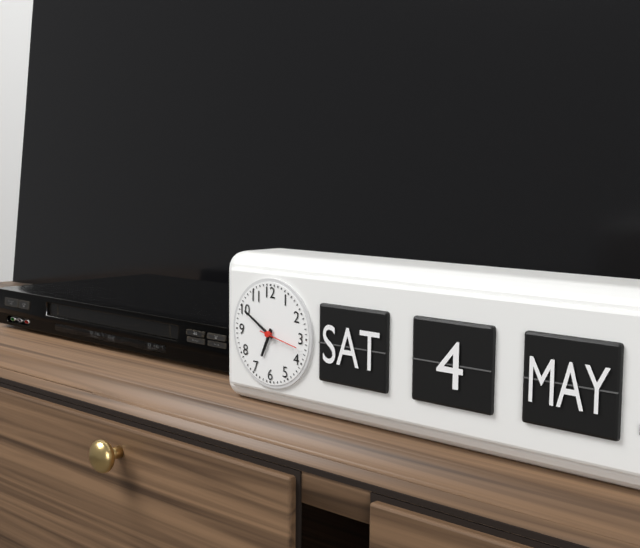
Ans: 6:50
